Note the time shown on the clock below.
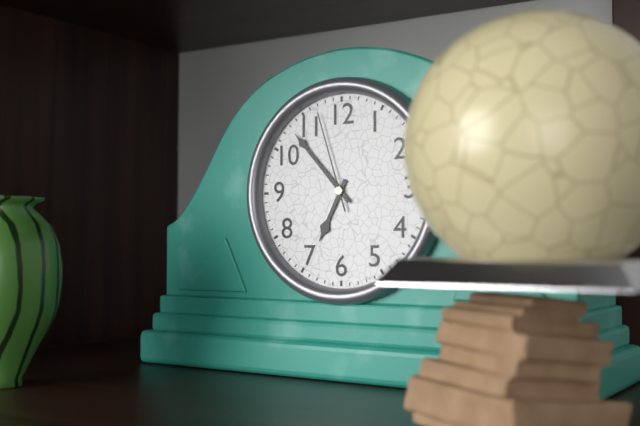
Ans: 6:53:57
